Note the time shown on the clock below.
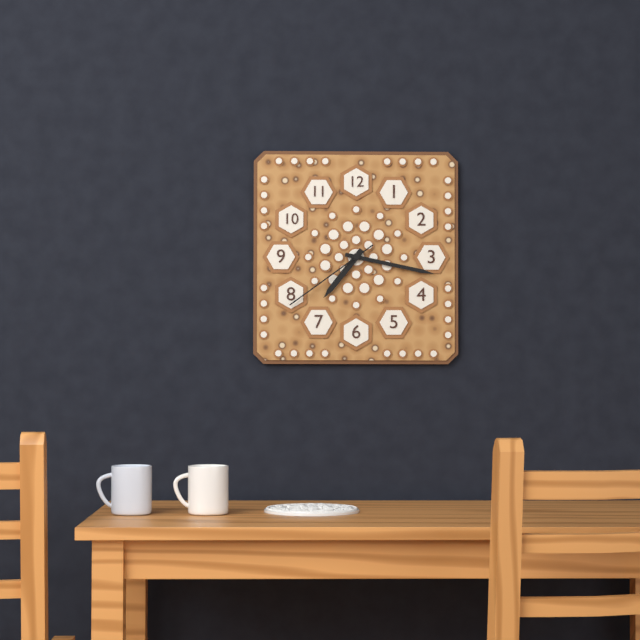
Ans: 7:17:39
